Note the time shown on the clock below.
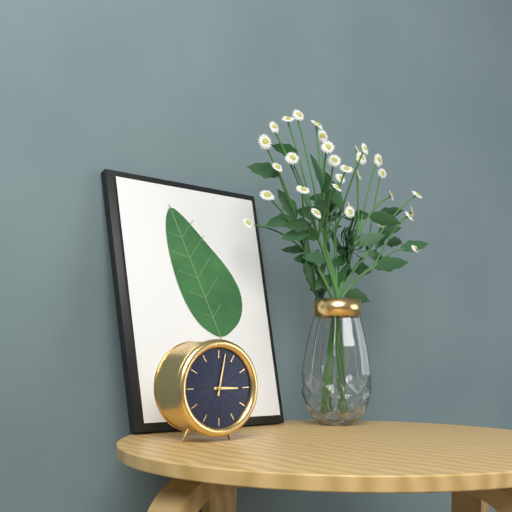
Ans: 3:02
